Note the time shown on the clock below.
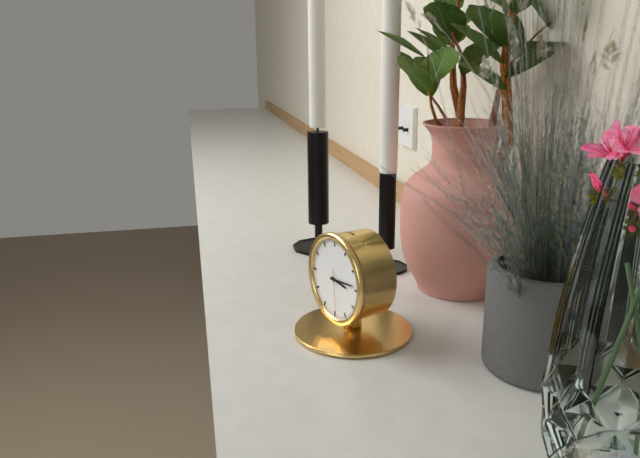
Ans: 3:14
